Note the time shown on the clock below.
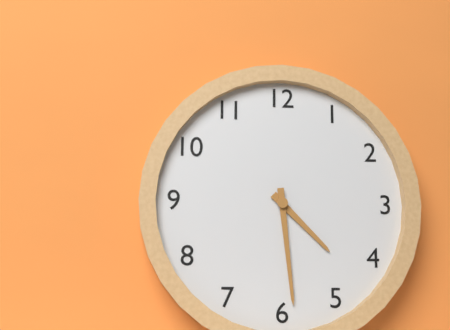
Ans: 4:29
